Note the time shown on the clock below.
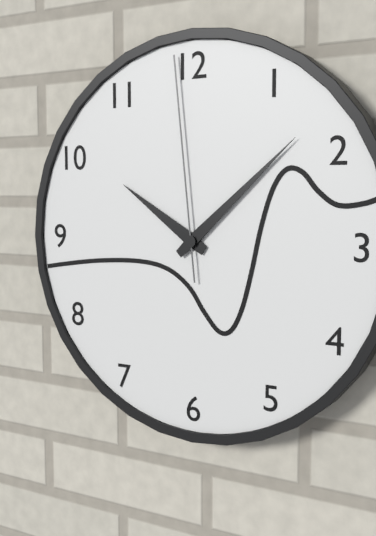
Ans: 10:08:59
